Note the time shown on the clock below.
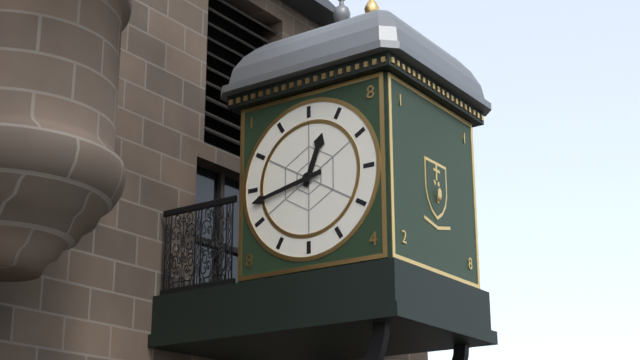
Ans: 12:43
